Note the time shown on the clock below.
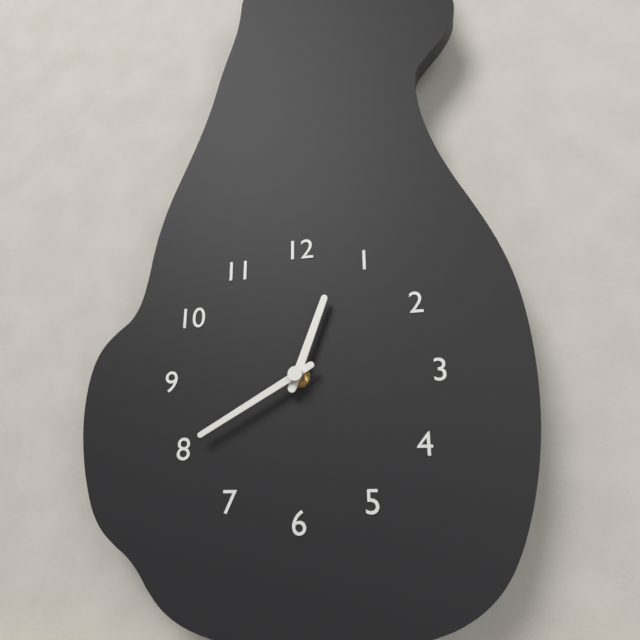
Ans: 12:40
